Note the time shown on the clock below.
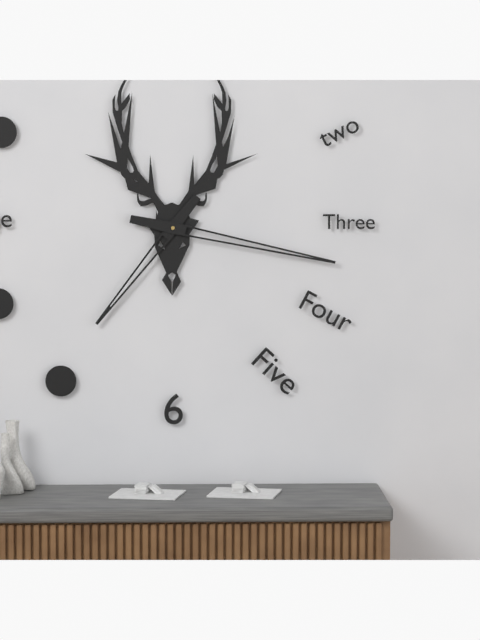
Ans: 7:17
